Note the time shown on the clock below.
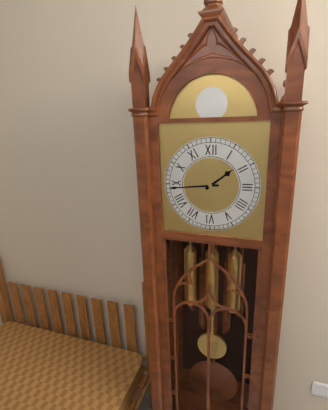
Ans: 1:44
